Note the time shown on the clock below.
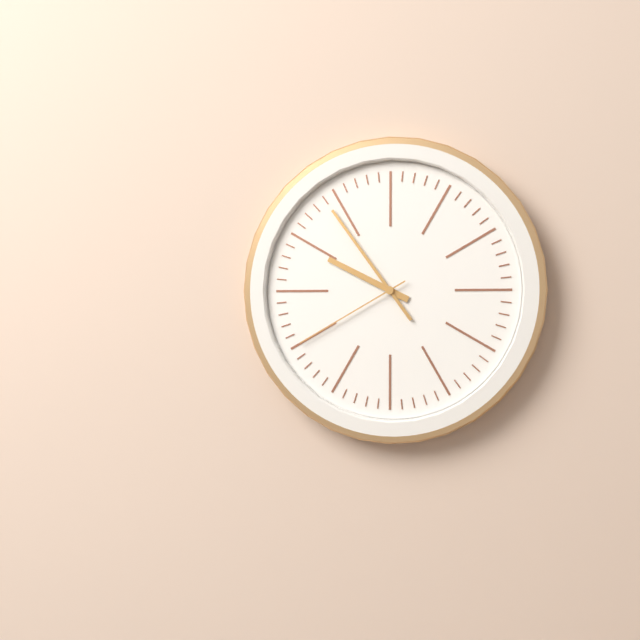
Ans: 9:54:40
